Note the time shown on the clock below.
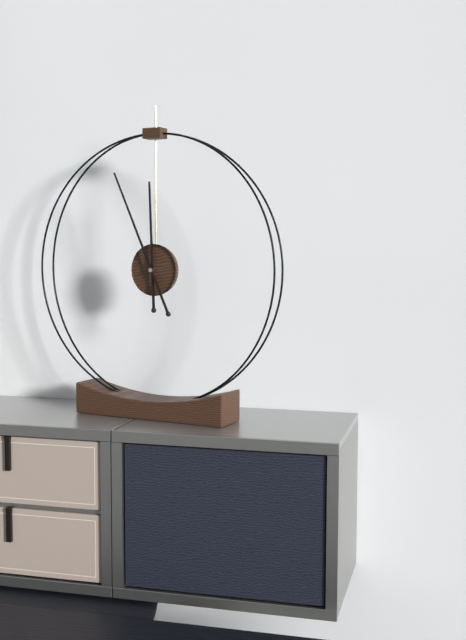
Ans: 11:56
